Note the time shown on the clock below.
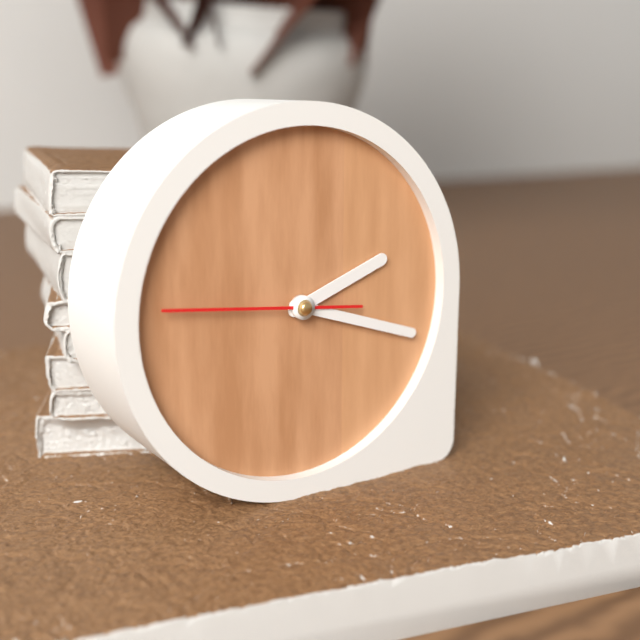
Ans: 2:18:46
